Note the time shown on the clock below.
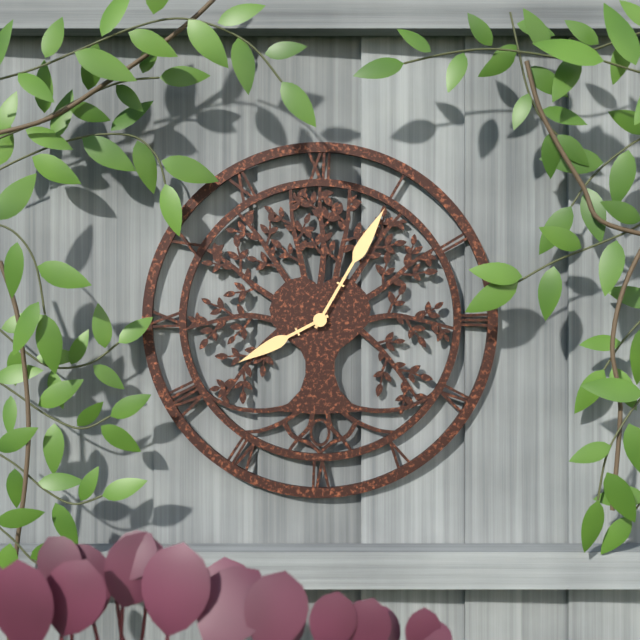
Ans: 8:05
